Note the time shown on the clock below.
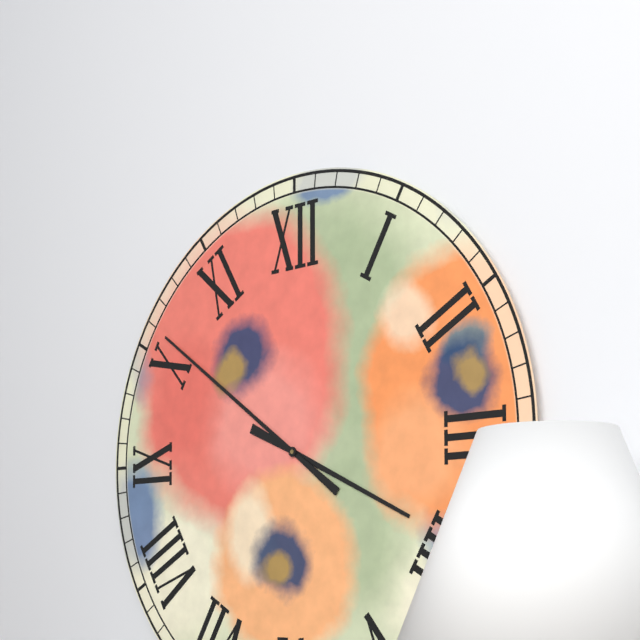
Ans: 3:51
